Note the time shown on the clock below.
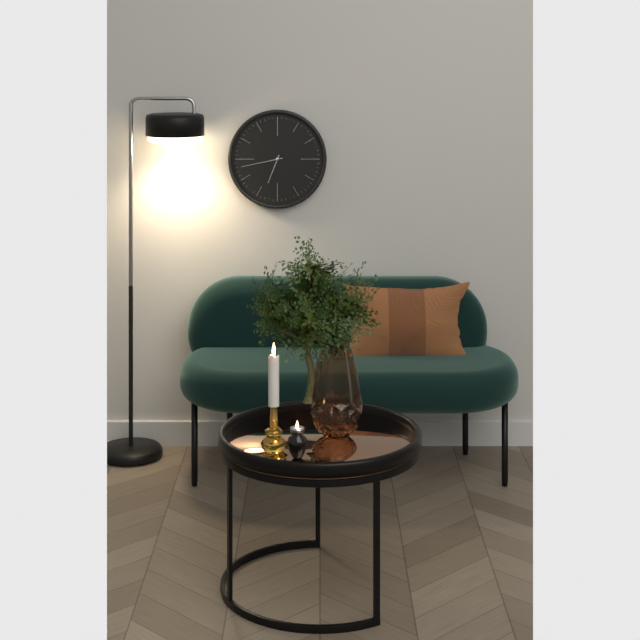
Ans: 6:43
